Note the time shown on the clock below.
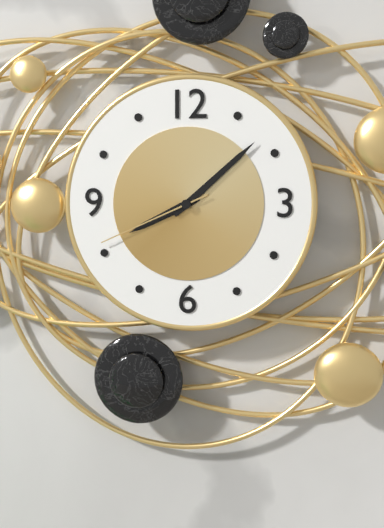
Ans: 8:08:41
